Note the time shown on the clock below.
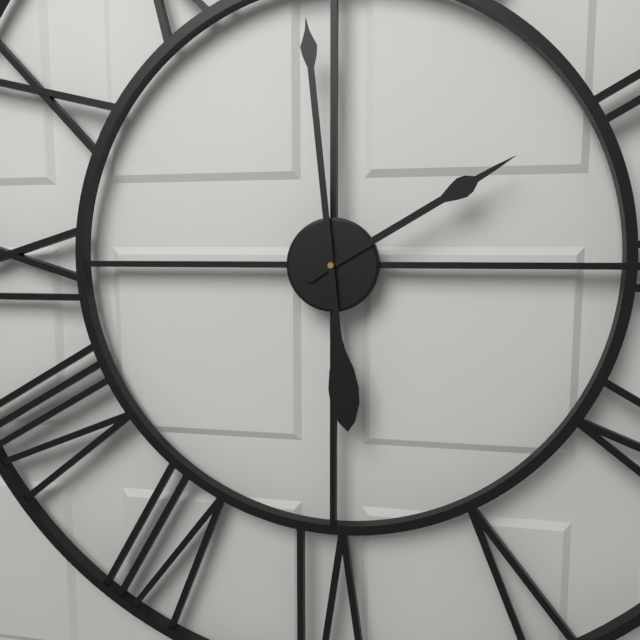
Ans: 1:59
